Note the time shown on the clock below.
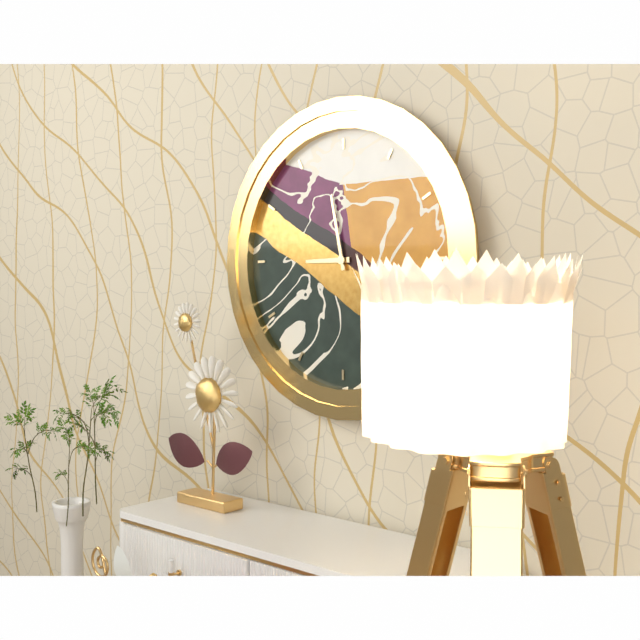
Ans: 8:58
